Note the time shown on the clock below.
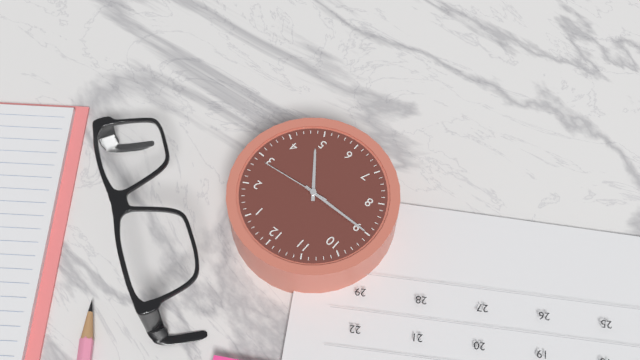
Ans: 4:45:14
